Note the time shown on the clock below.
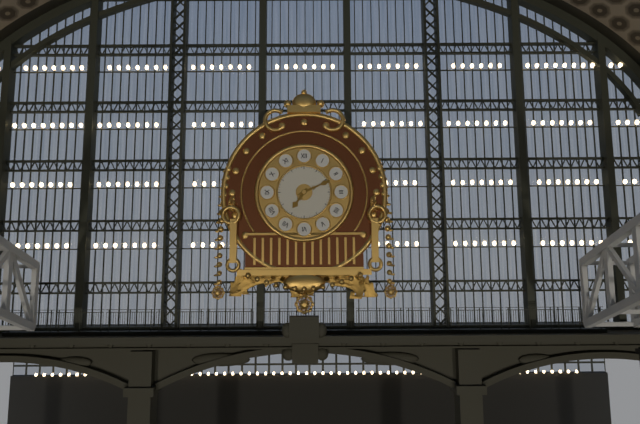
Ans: 7:11
